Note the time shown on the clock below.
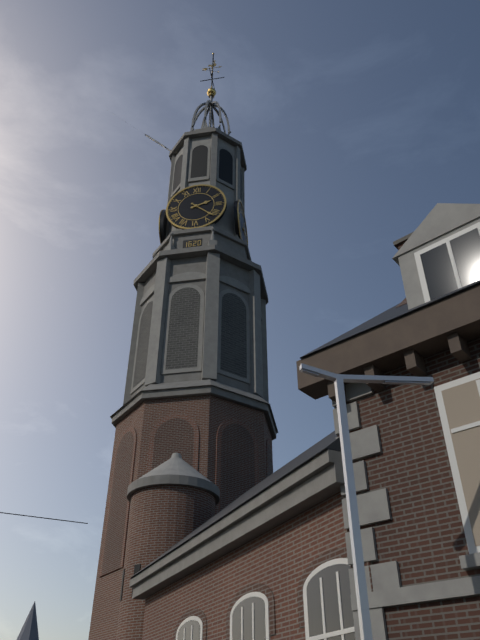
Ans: 2:22
